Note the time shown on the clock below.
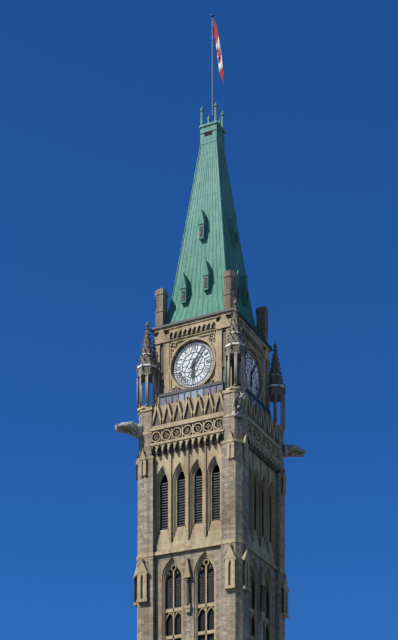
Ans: 6:06
